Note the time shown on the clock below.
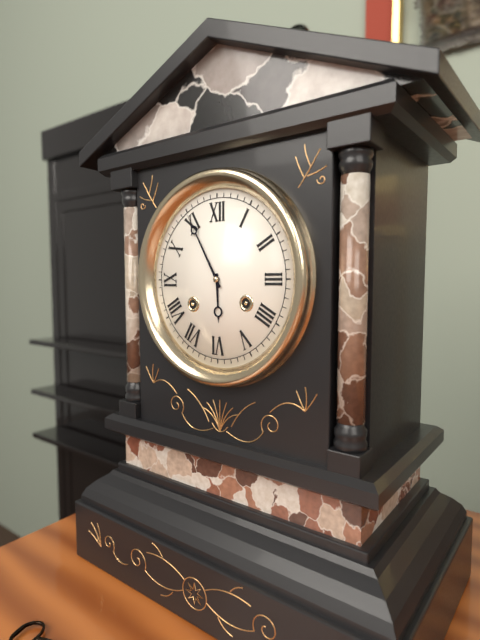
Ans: 5:55
